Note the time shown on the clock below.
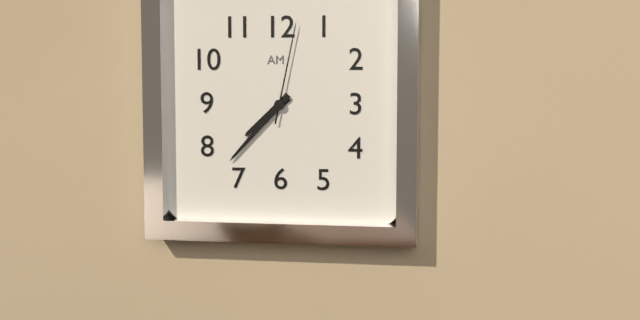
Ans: 7:37:02
